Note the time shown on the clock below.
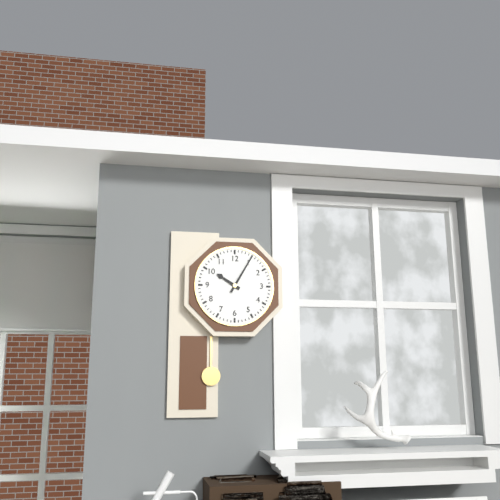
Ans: 10:05
